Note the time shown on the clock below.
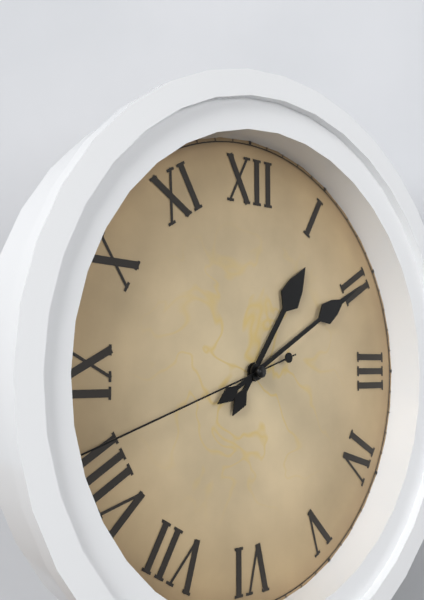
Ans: 1:10:42
